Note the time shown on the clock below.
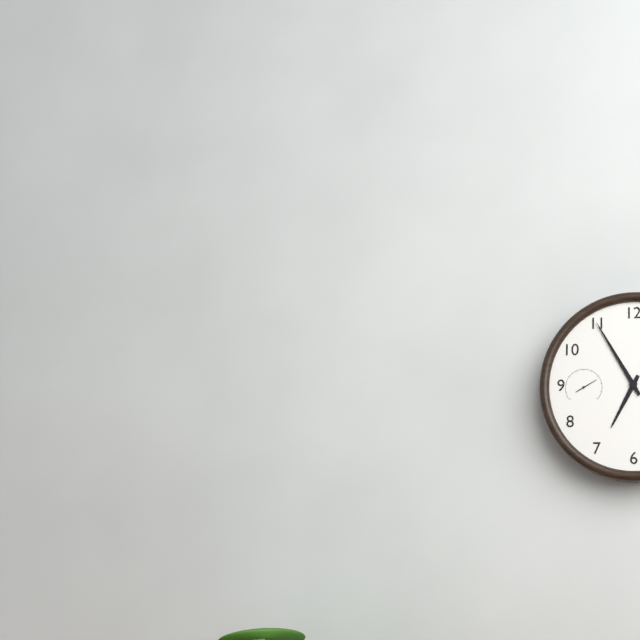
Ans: 6:55
